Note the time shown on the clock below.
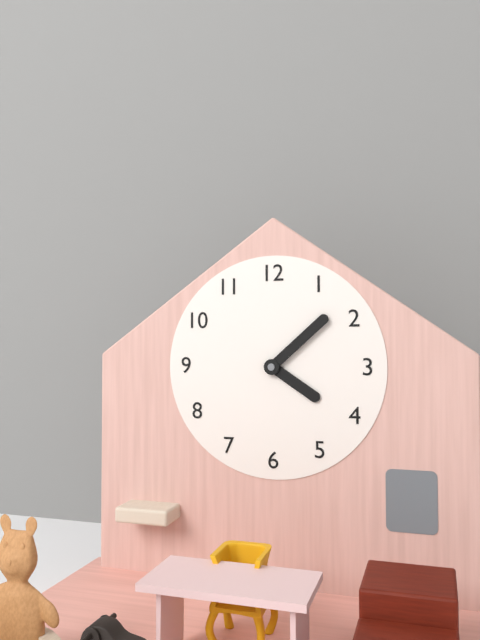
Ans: 4:08
